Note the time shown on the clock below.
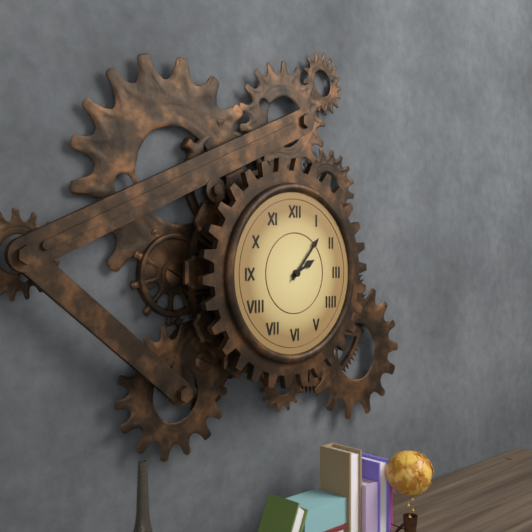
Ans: 2:07
